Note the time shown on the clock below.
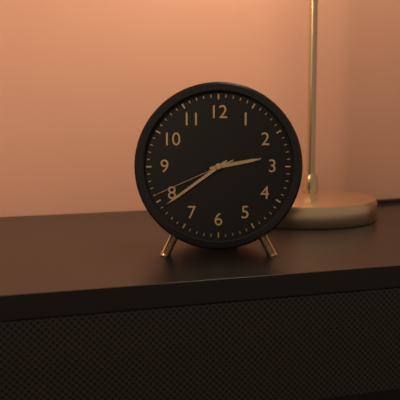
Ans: 2:39:41
